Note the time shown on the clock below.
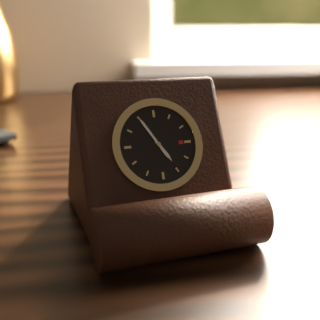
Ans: 4:55
